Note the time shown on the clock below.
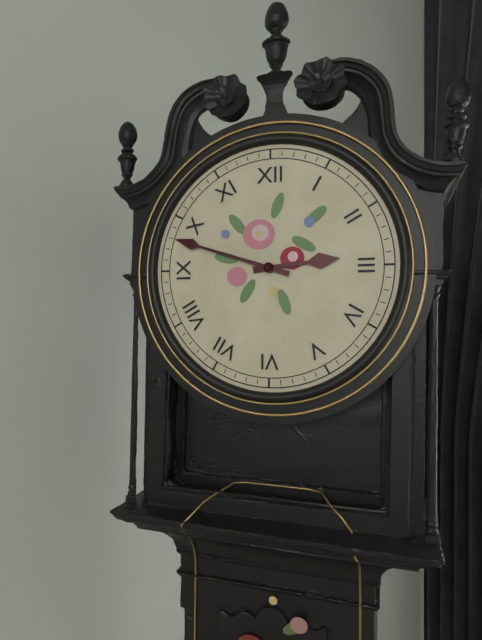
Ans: 2:48
